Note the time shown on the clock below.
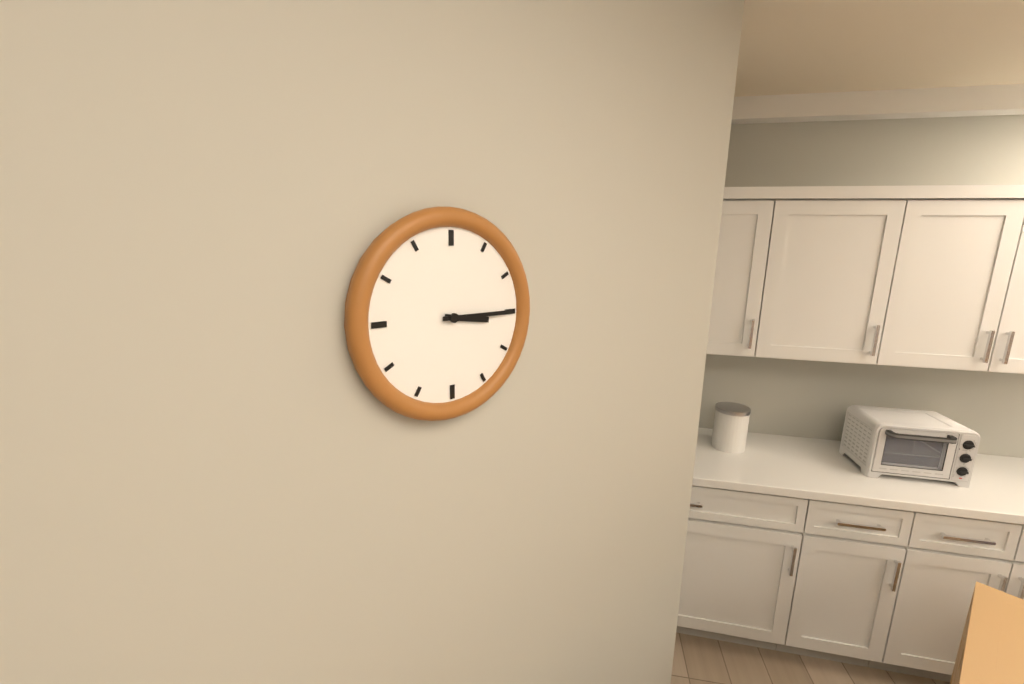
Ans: 3:15
